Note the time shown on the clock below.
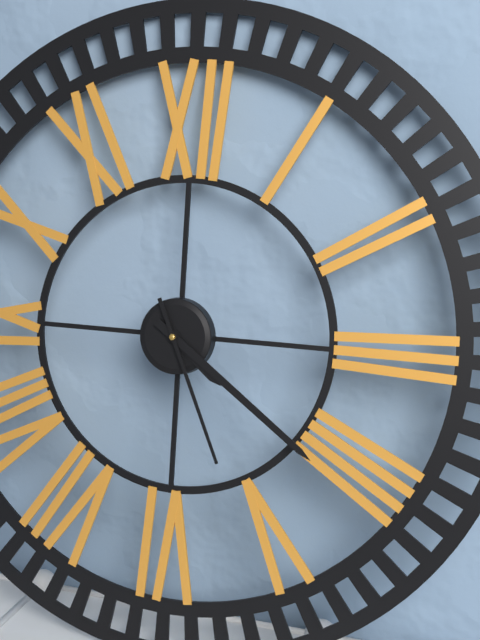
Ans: 4:21:26
